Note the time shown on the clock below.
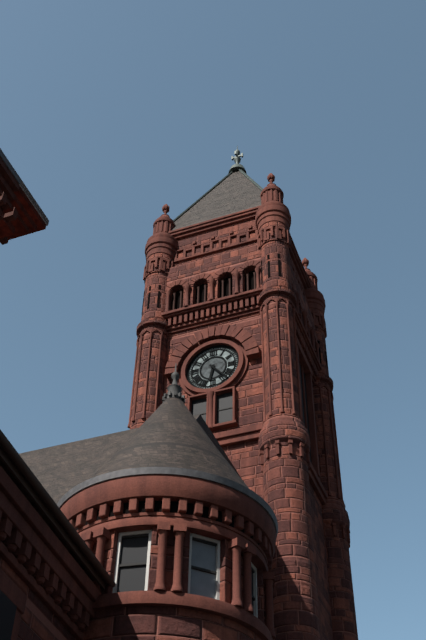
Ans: 6:23
